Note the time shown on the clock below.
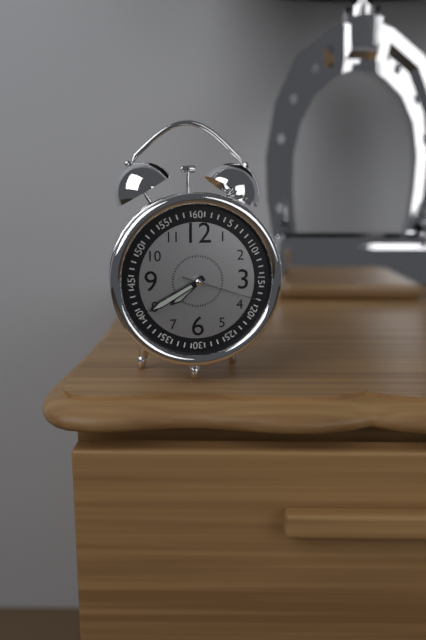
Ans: 7:40:18
